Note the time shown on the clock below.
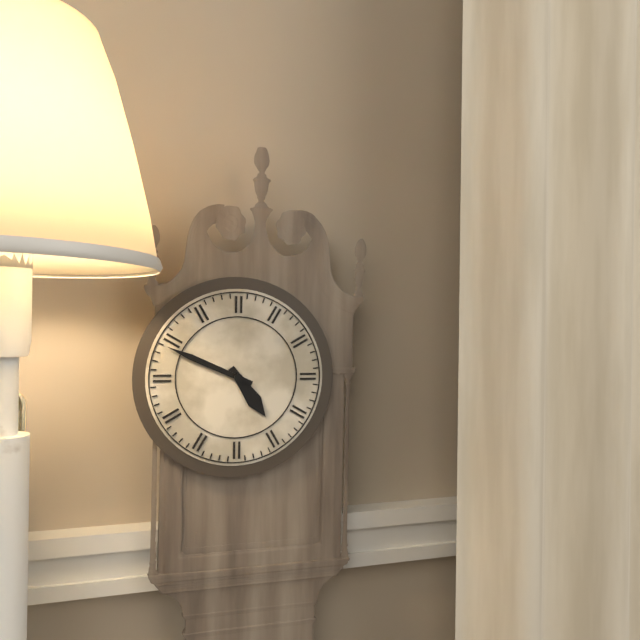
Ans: 4:49
